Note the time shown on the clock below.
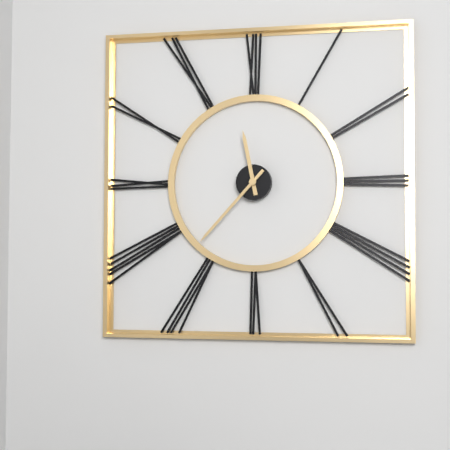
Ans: 11:37
